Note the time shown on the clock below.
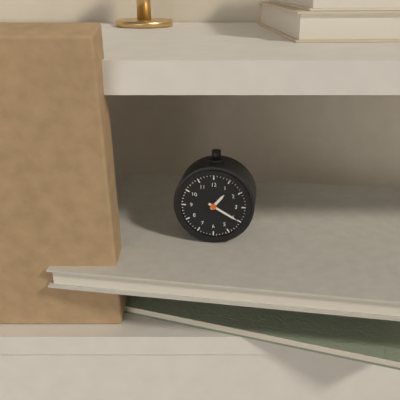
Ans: 1:20
